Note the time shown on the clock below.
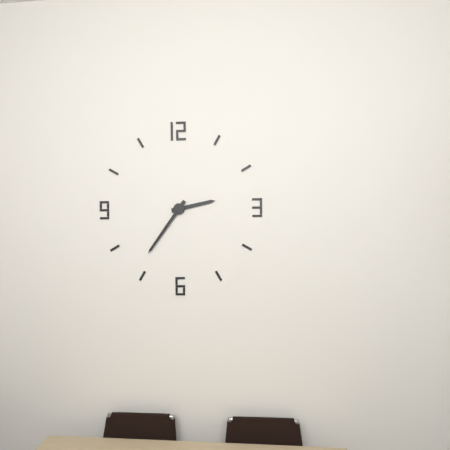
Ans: 2:36
